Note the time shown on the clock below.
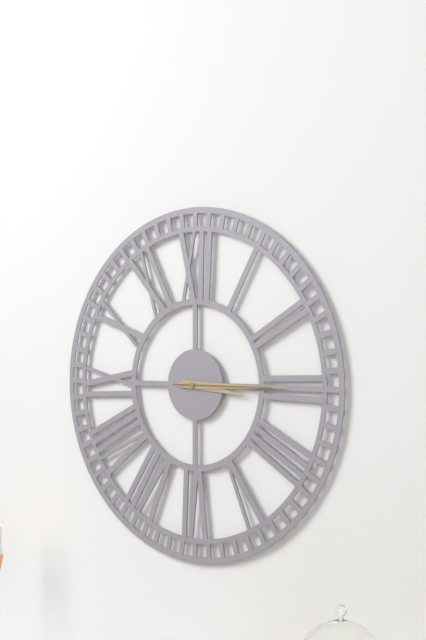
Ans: 3:15:15
